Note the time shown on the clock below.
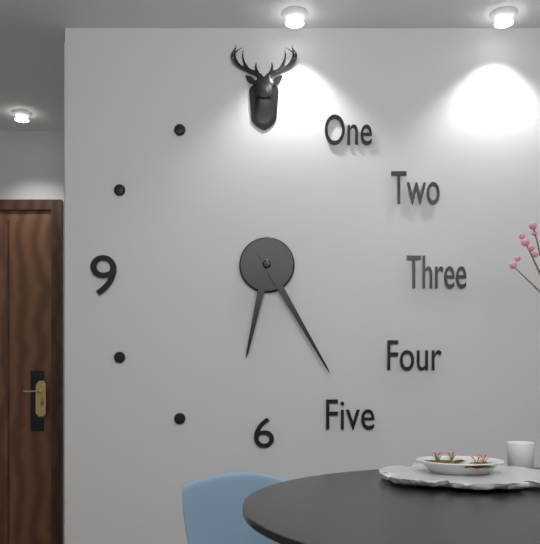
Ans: 6:25
